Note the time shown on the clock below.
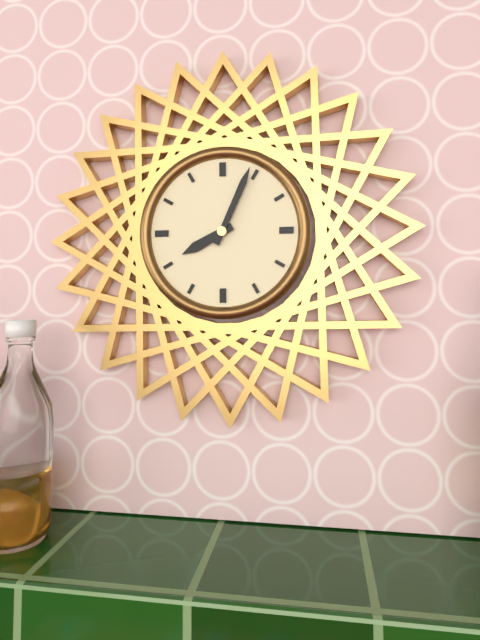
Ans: 8:04
